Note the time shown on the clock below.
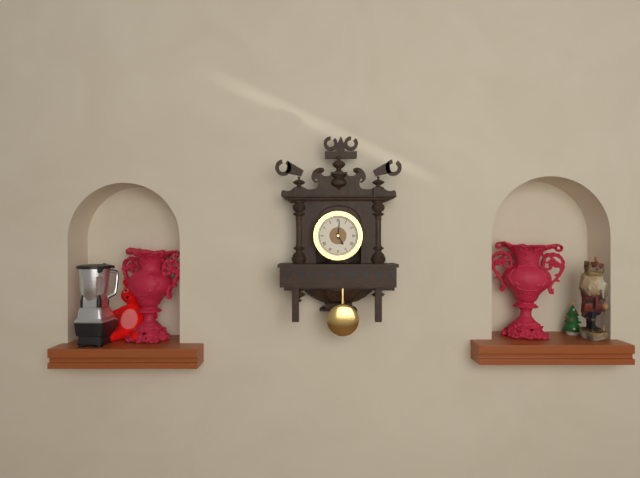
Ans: 5:01
